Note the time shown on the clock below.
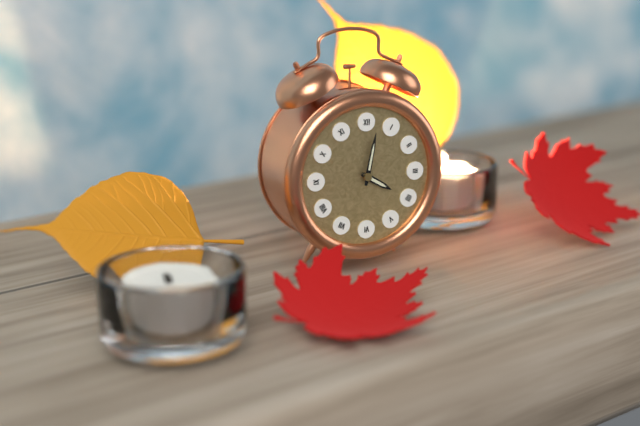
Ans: 4:02
